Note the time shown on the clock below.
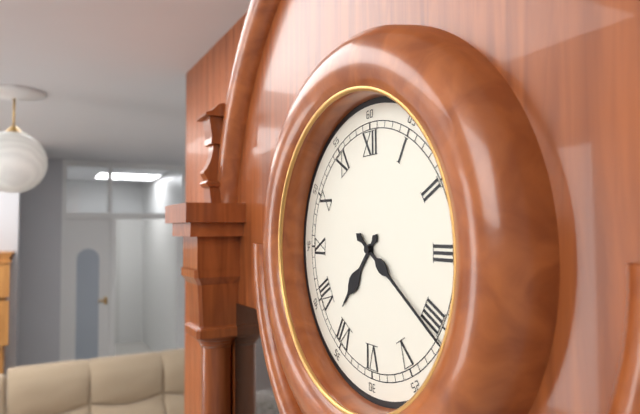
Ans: 7:21
